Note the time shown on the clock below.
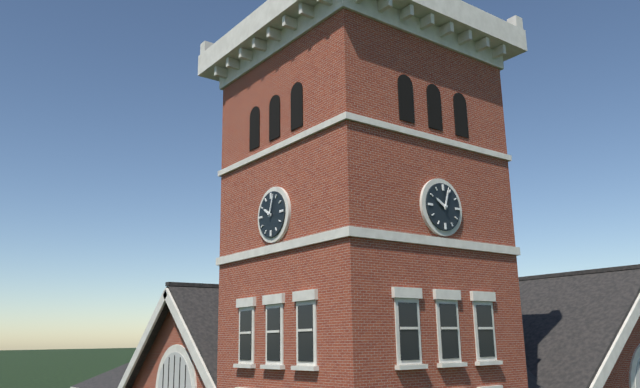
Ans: 10:03
